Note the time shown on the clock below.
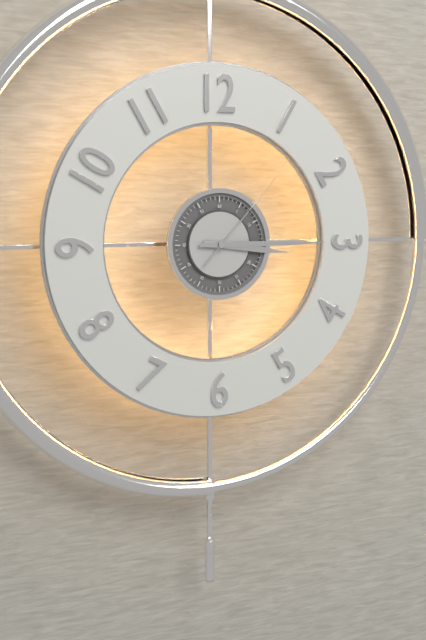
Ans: 3:15:07
